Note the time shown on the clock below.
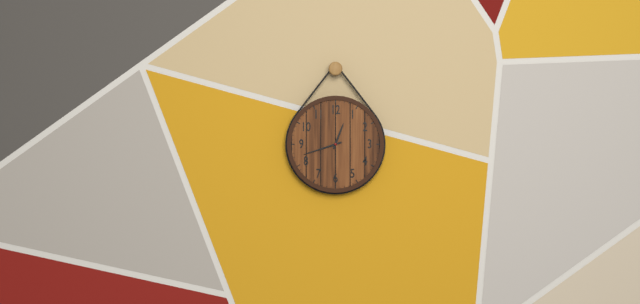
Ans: 12:42
